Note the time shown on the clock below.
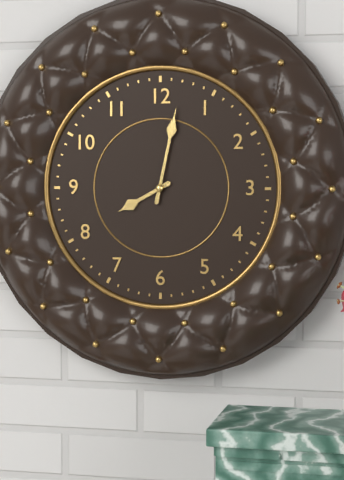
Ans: 8:02
